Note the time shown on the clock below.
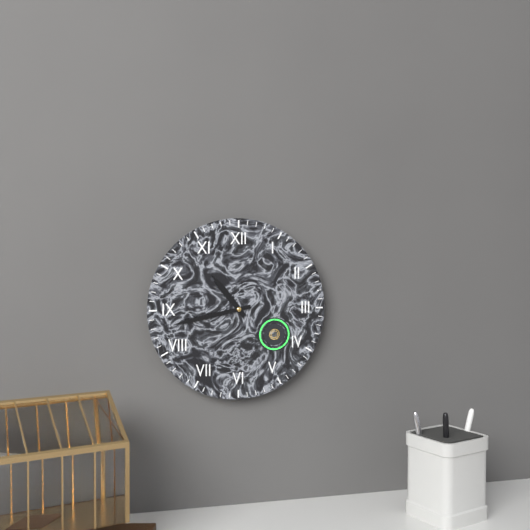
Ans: 10:43
